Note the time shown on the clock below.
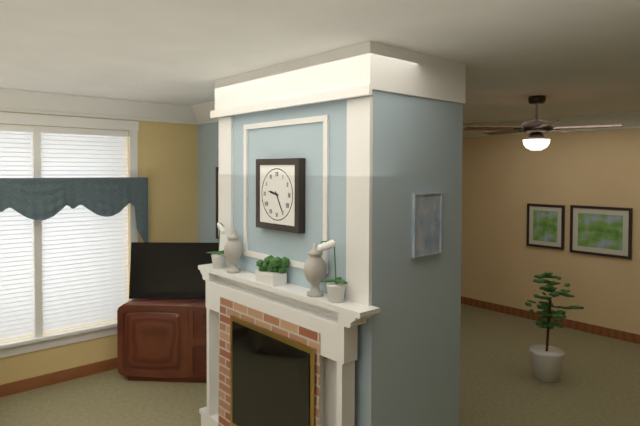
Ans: 9:25
